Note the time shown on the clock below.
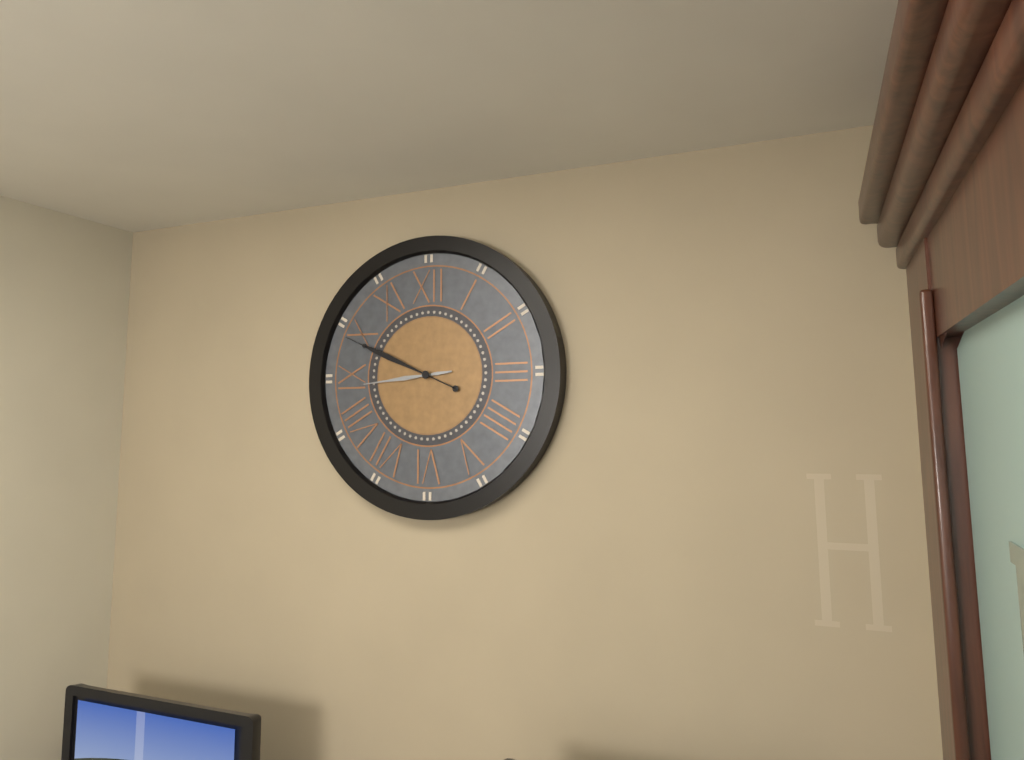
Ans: 8:49
